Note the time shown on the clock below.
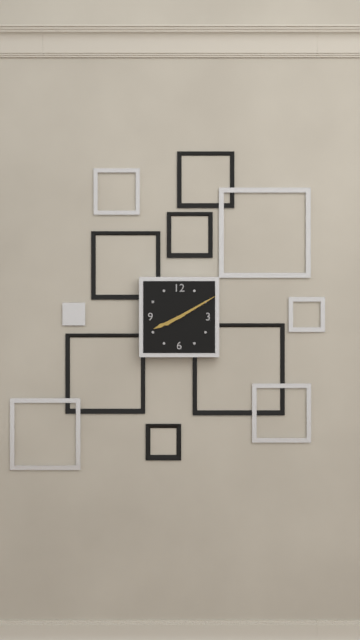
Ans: 8:10
